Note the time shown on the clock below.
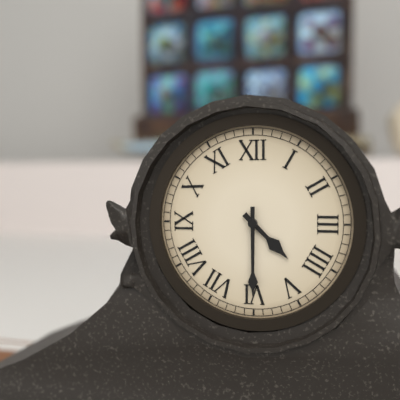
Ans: 4:30
